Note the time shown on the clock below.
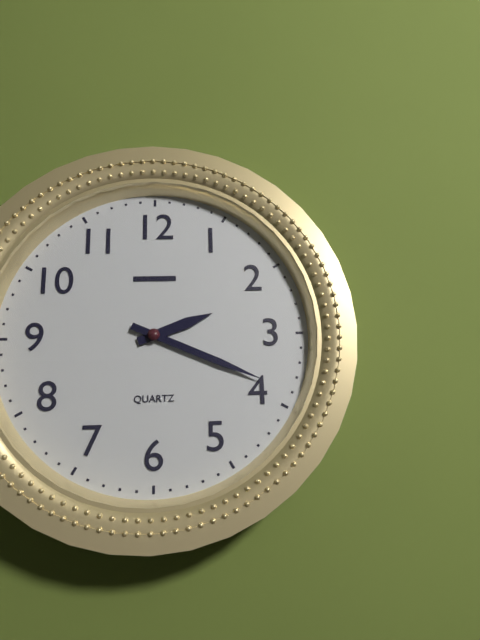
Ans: 2:19
